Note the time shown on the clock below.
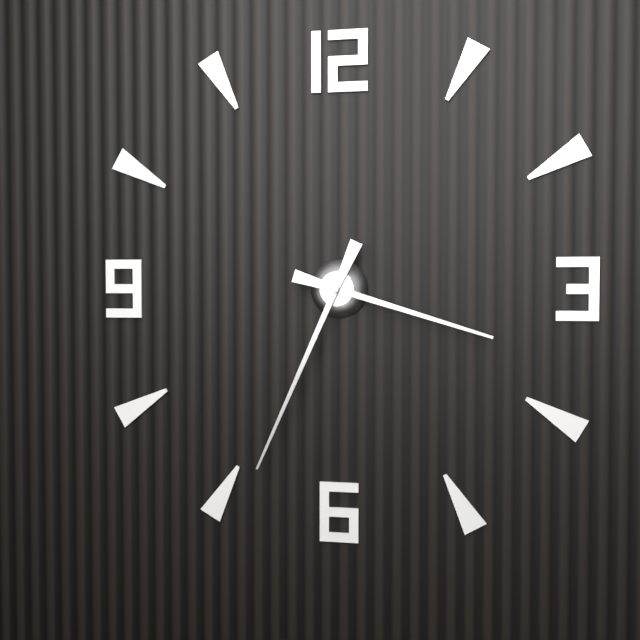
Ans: 3:34
